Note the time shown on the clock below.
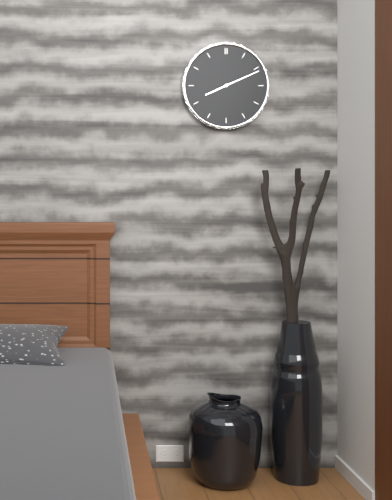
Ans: 8:11
